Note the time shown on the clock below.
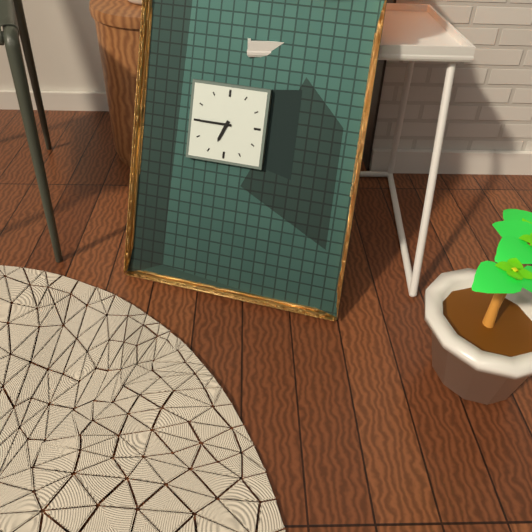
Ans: 6:45
